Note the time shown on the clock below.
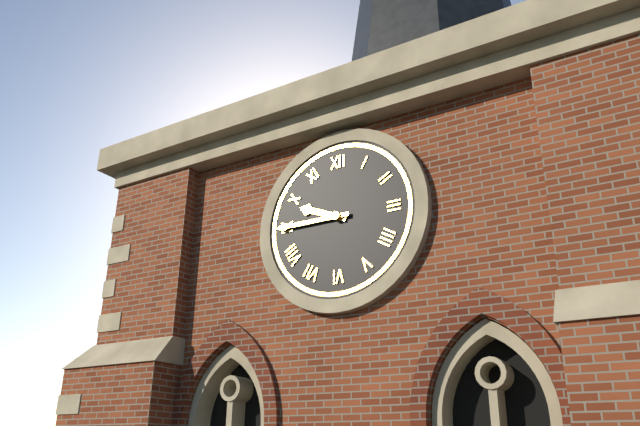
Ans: 9:45
